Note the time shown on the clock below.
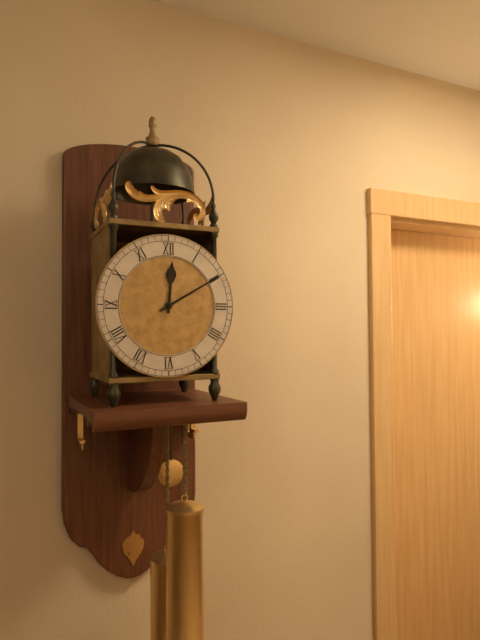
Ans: 12:10
